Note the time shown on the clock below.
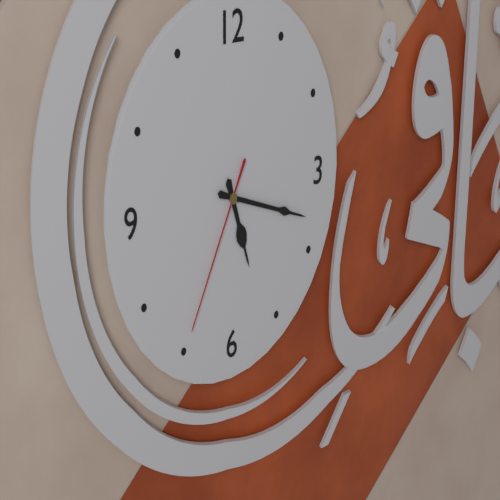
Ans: 5:18:35
